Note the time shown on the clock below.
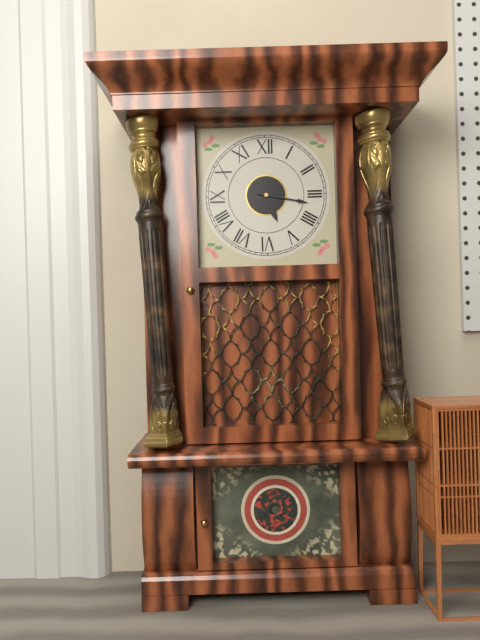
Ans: 5:17
